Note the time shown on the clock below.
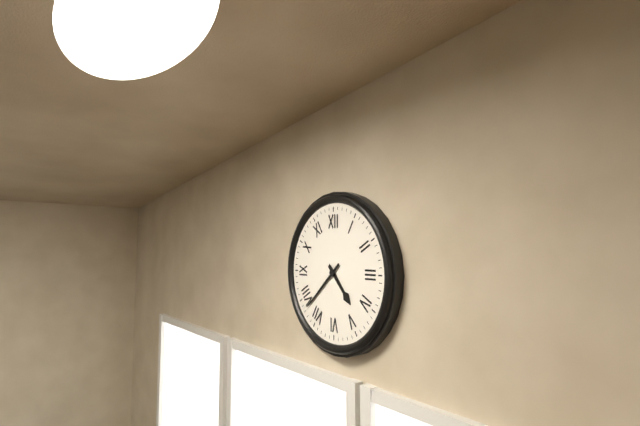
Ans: 4:38
